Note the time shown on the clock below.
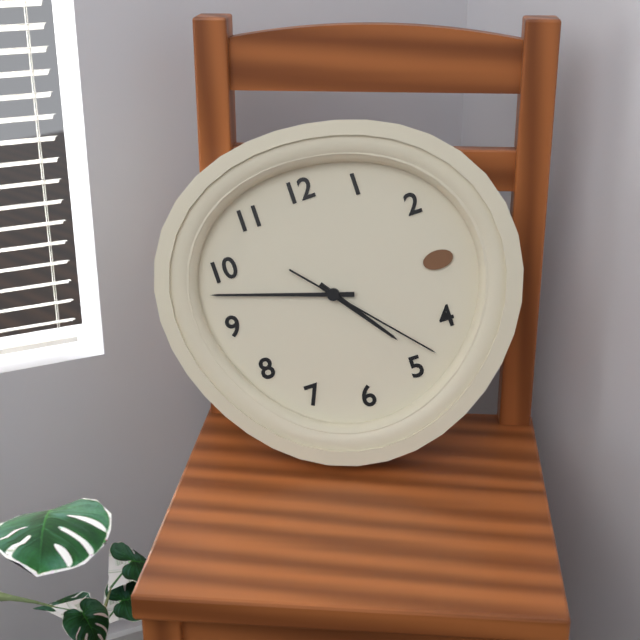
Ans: 4:48:23
